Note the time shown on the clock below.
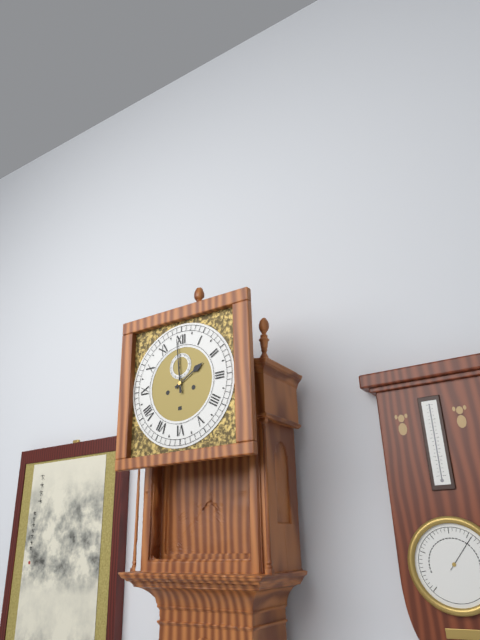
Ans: 1:59
